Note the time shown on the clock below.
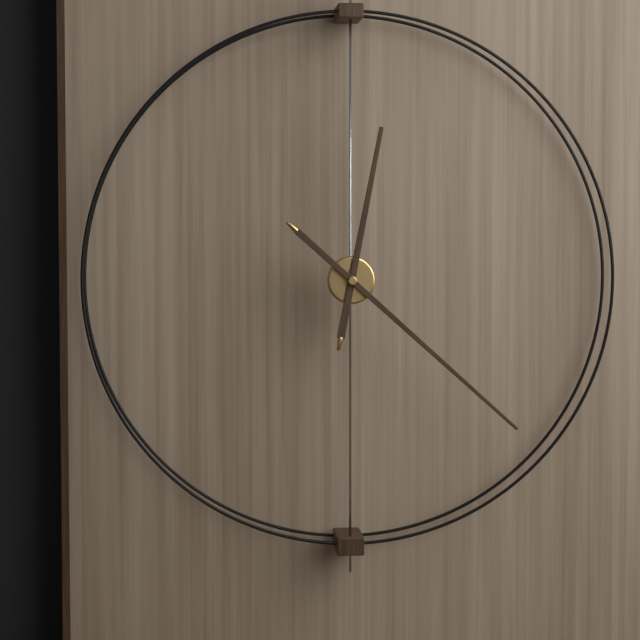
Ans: 12:22
